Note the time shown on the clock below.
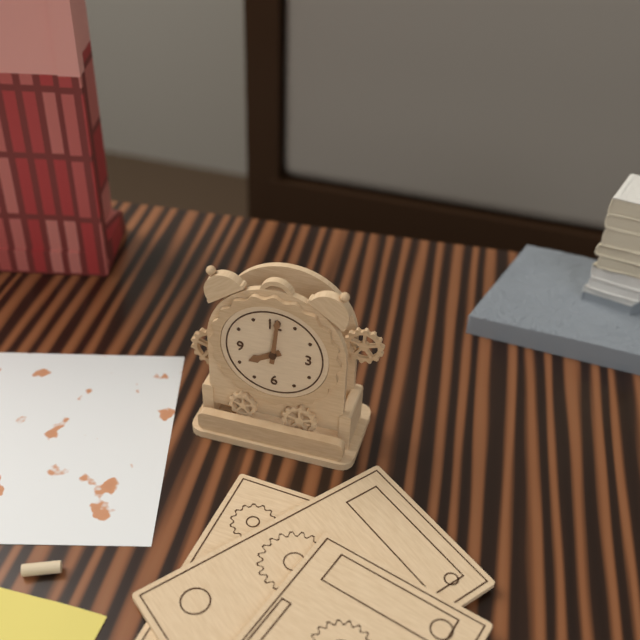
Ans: 8:01
